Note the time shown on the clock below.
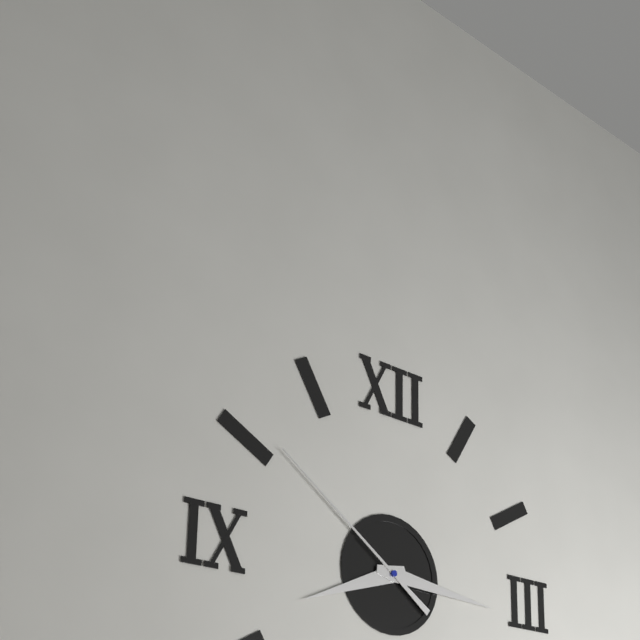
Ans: 8:16:51
